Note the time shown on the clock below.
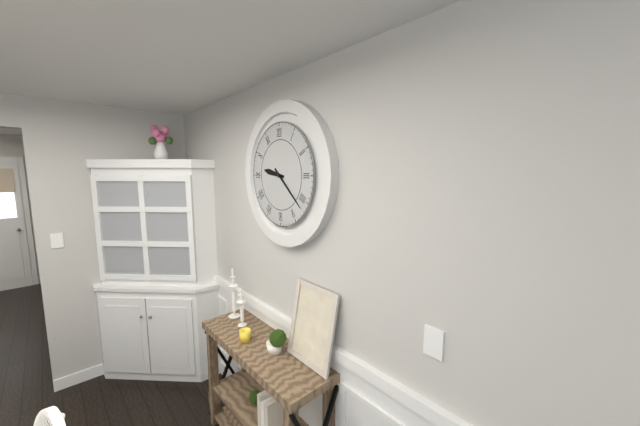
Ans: 9:22
